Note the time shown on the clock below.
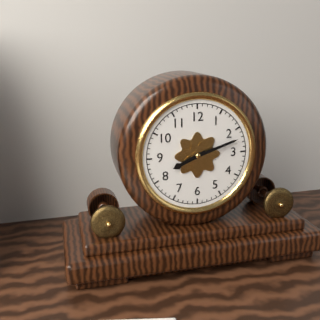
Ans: 8:12
